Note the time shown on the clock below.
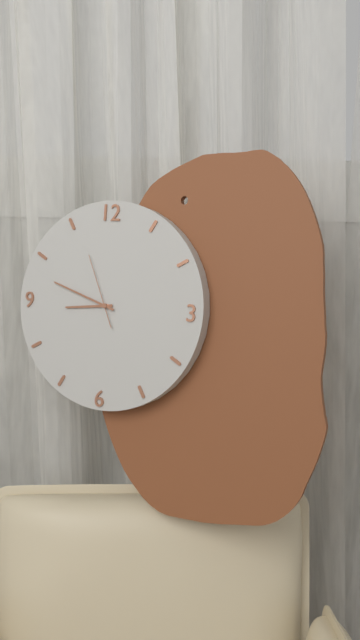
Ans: 8:48:56
